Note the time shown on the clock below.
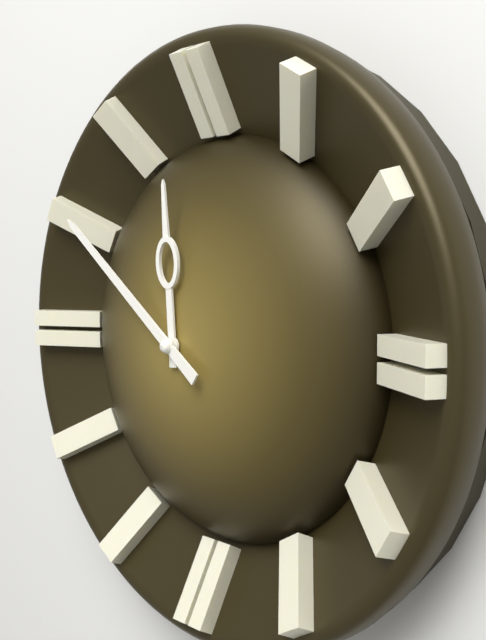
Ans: 11:51
